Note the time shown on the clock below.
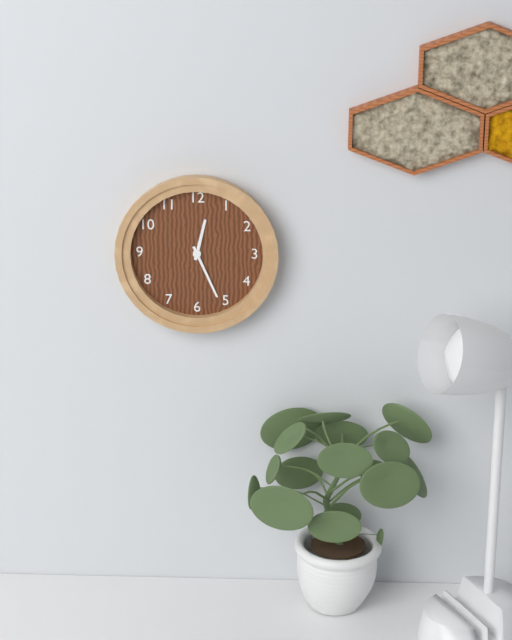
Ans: 12:26
